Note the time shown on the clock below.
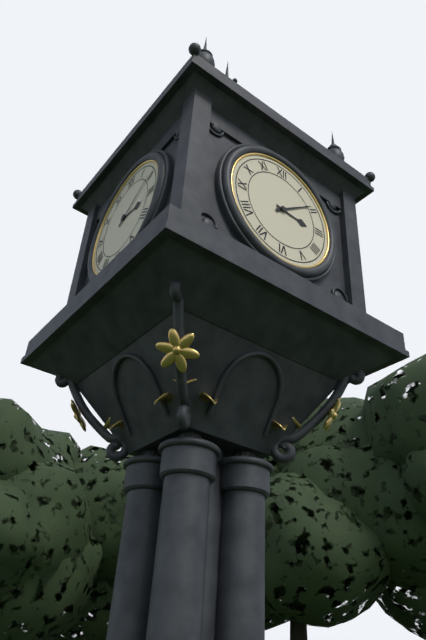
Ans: 3:09
